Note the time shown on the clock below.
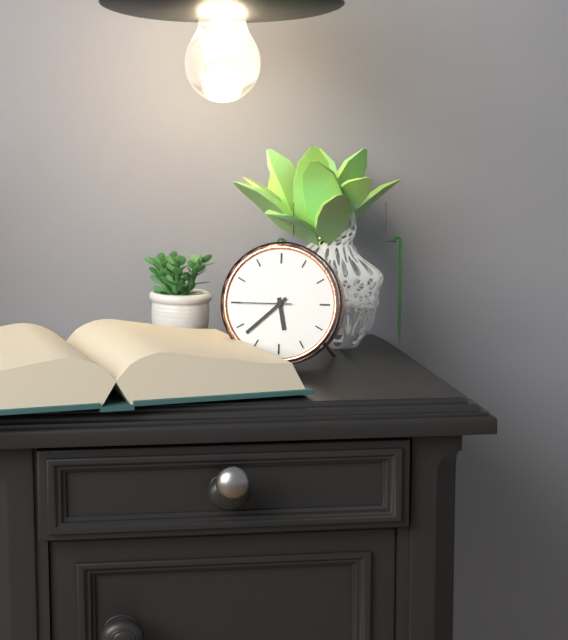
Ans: 5:38:45
